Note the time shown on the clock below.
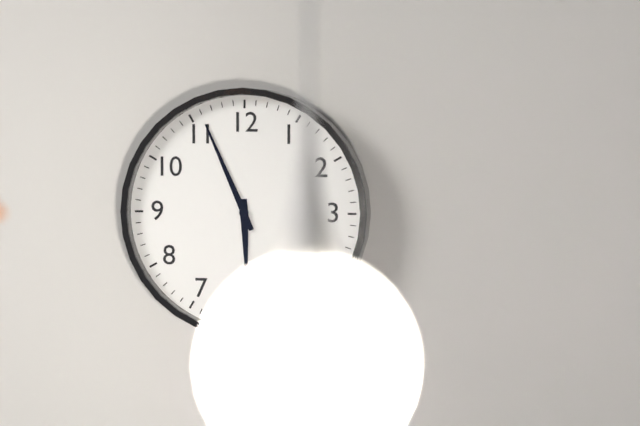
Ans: 5:56
